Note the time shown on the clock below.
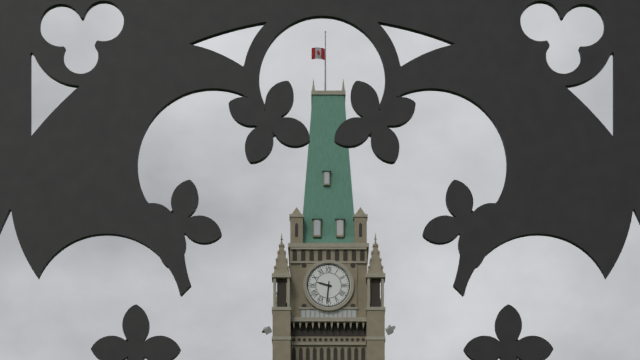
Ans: 9:31
